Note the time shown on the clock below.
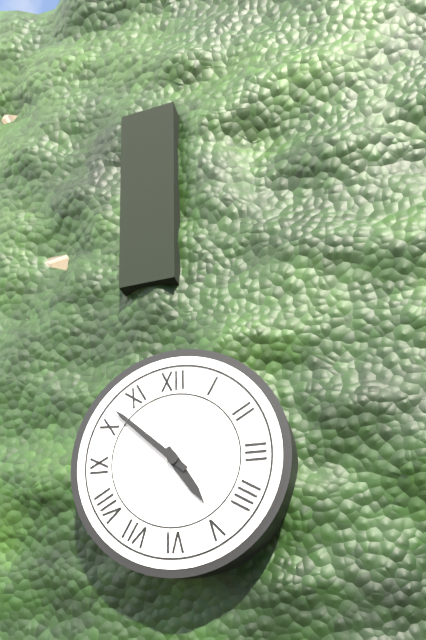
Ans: 4:52
